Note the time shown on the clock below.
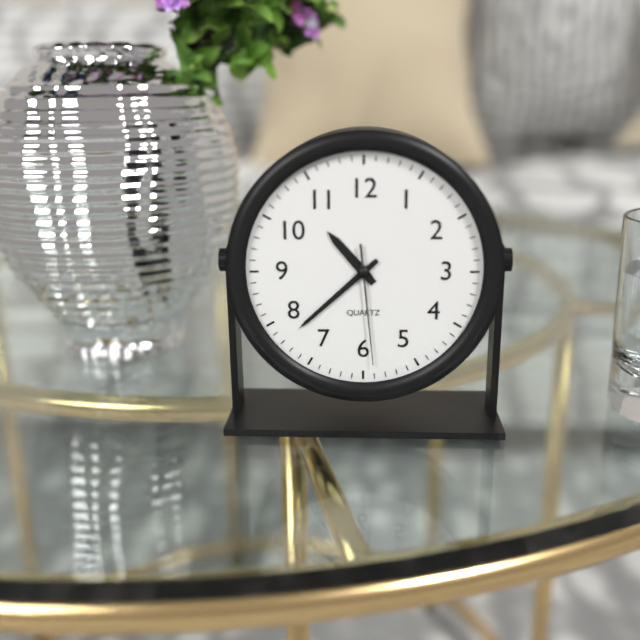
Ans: 10:38:29
